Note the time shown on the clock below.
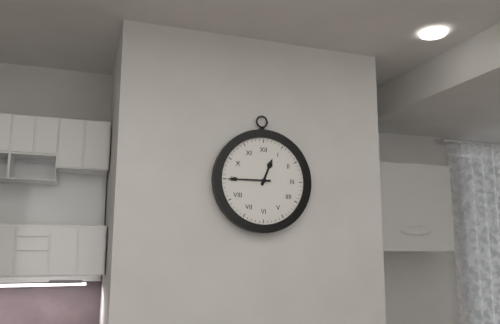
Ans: 12:45
